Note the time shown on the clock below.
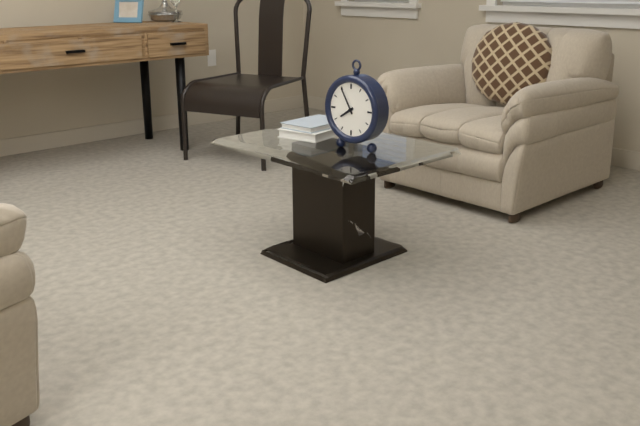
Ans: 7:55
